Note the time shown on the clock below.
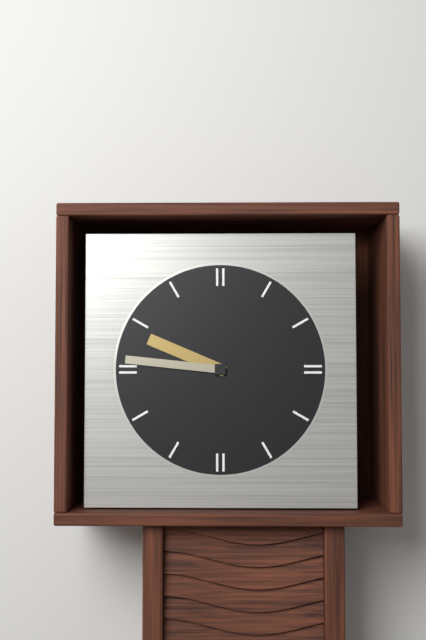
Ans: 9:46
